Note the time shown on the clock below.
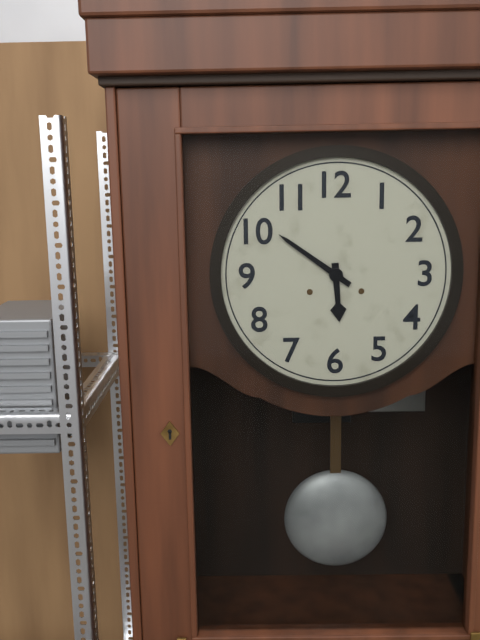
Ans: 5:51
